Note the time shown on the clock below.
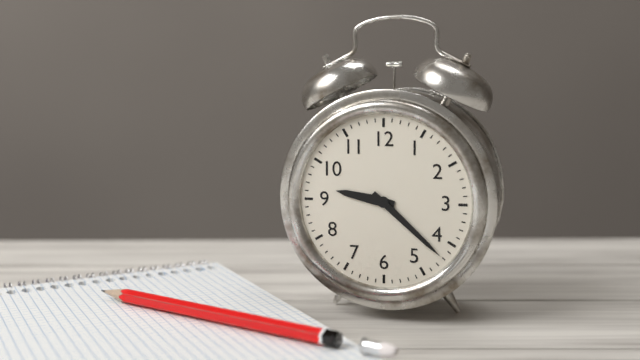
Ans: 9:22
